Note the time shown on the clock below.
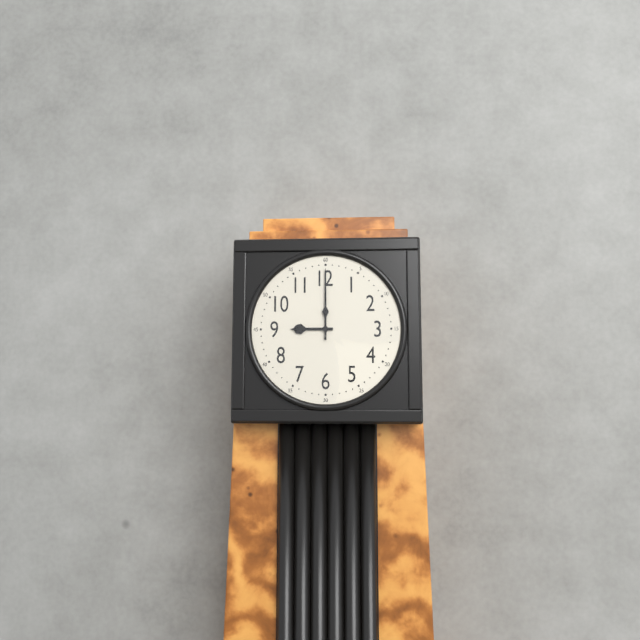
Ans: 9:00
